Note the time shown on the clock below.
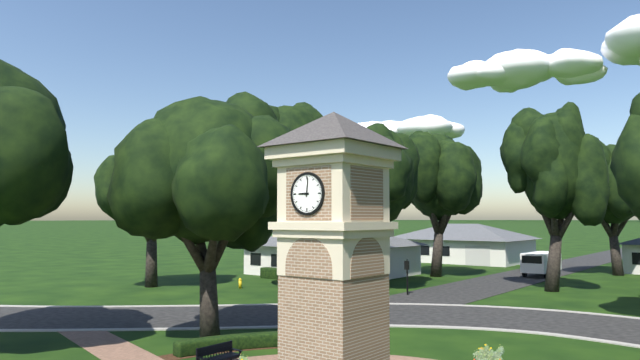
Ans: 9:01
